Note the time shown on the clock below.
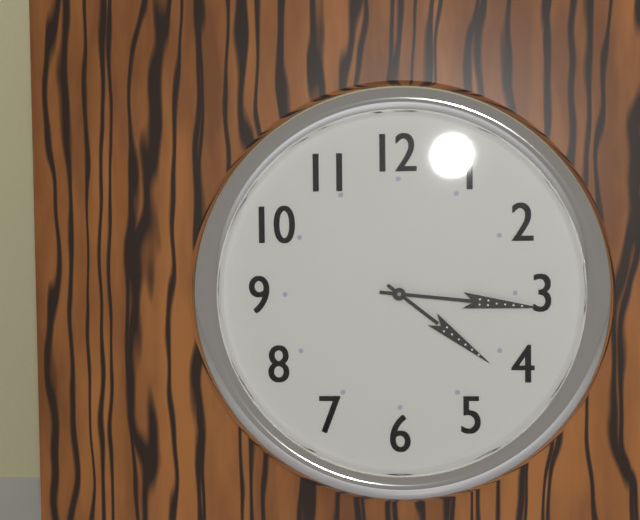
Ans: 4:16
